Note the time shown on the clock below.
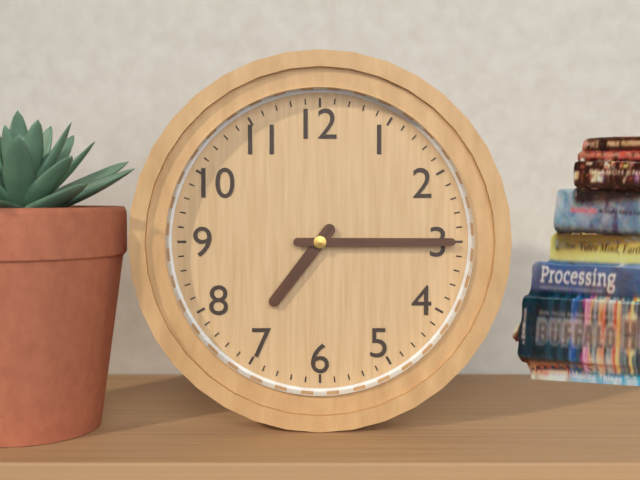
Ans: 7:15
